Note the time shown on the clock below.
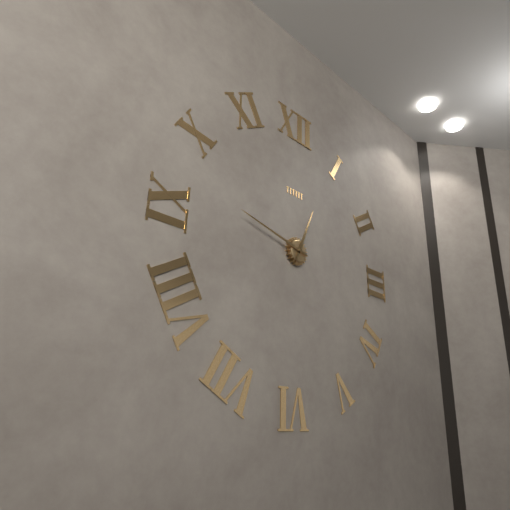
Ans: 12:47
